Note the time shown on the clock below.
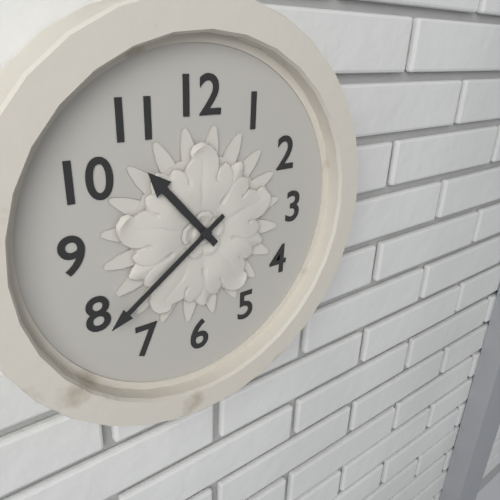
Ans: 10:39
